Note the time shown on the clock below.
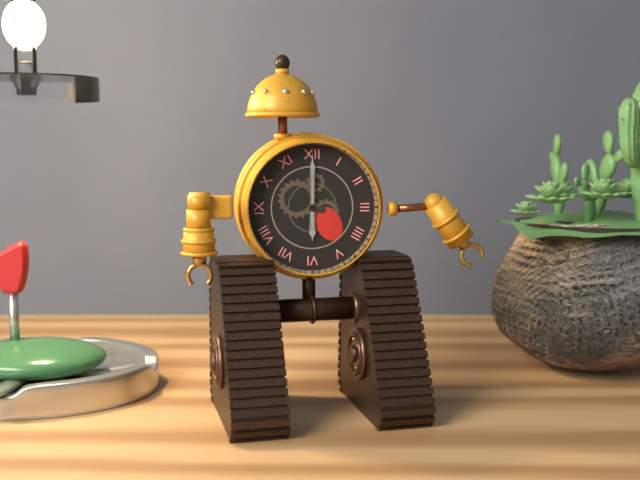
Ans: 6:00
